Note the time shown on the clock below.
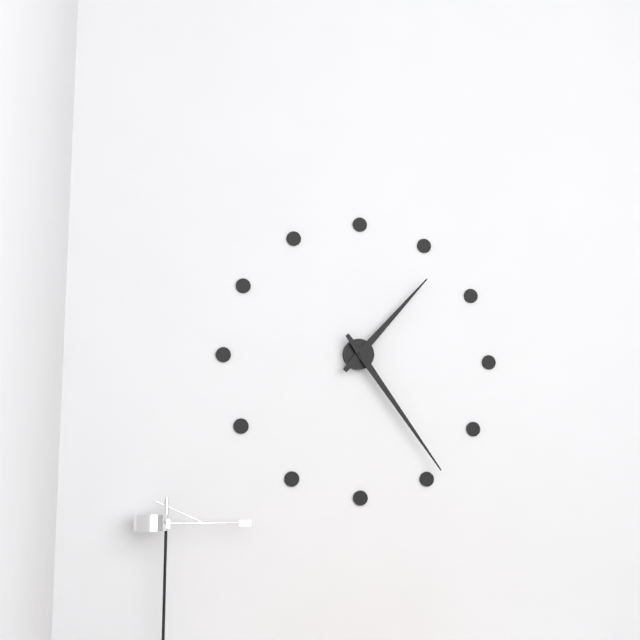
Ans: 1:24
